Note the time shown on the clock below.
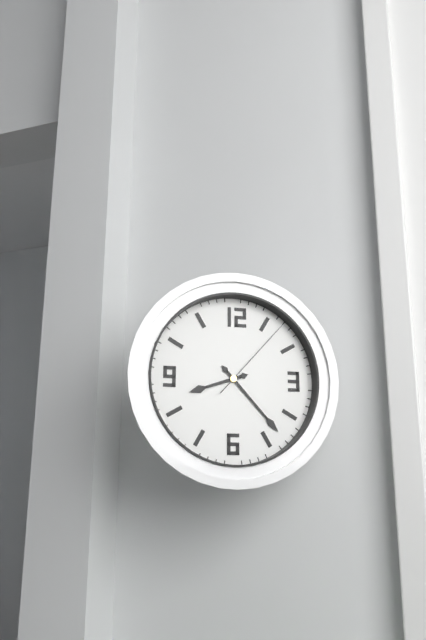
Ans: 8:23:07
